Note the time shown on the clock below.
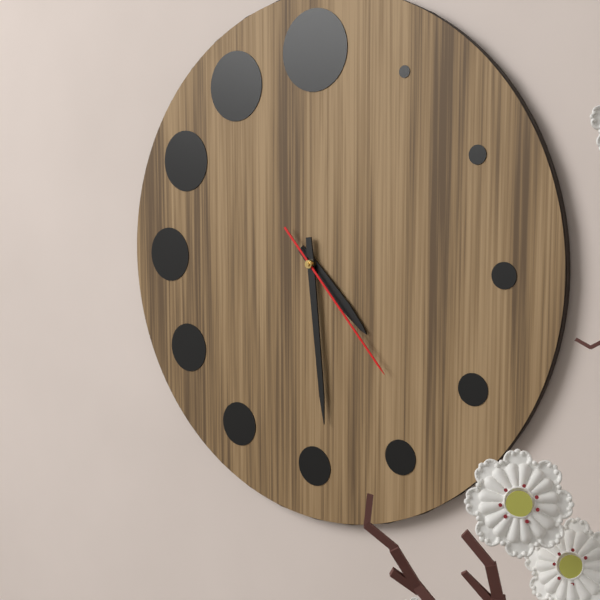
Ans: 4:29:23
